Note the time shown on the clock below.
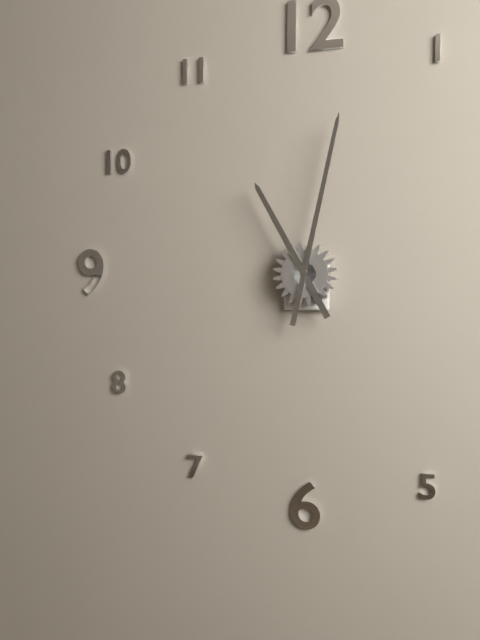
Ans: 11:02
